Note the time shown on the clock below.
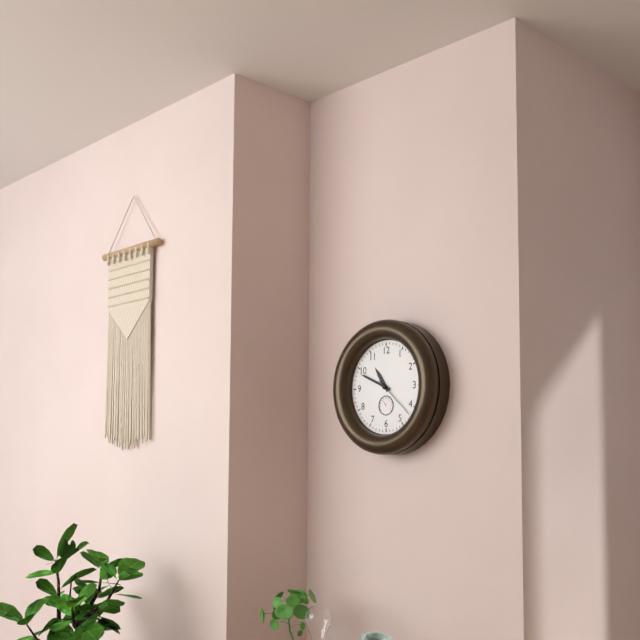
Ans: 10:49
